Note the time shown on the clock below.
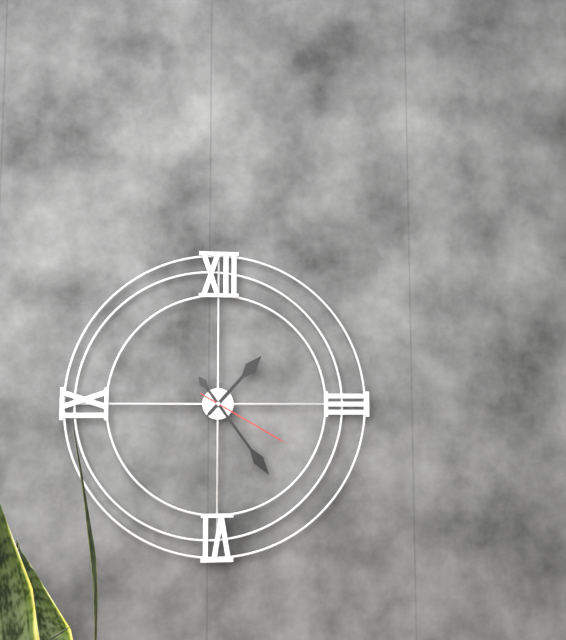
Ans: 1:24:20
